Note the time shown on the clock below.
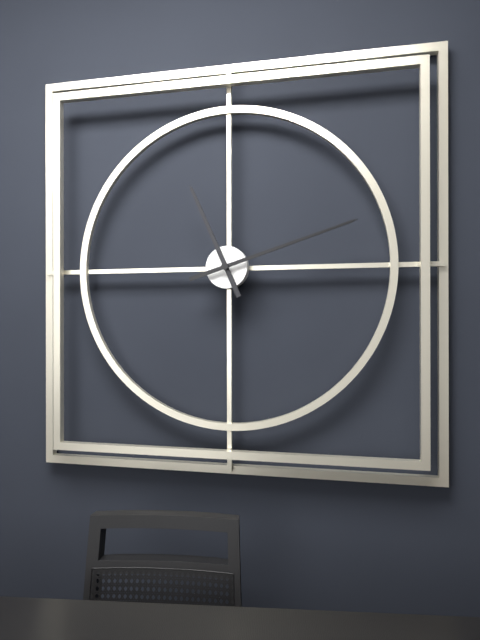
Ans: 11:12
